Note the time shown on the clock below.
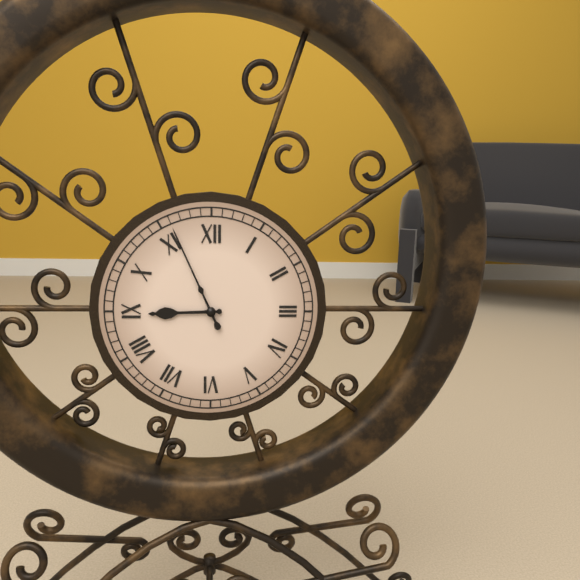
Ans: 8:56
